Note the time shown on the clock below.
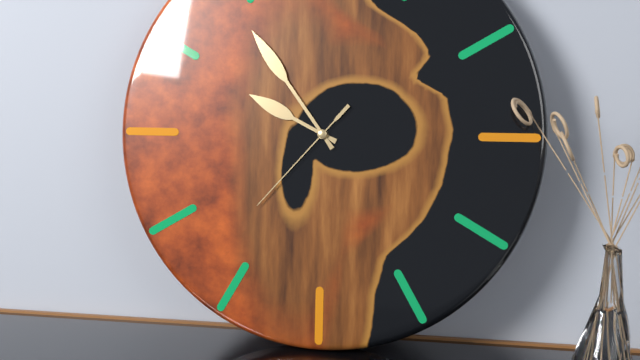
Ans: 9:54:37
